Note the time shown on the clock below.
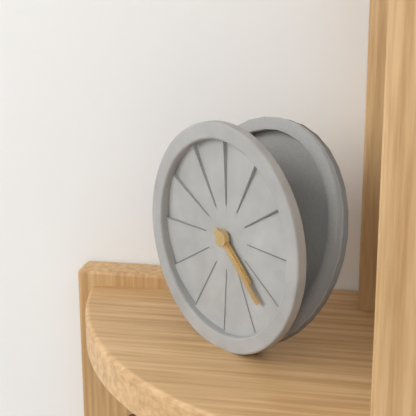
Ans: 4:22
